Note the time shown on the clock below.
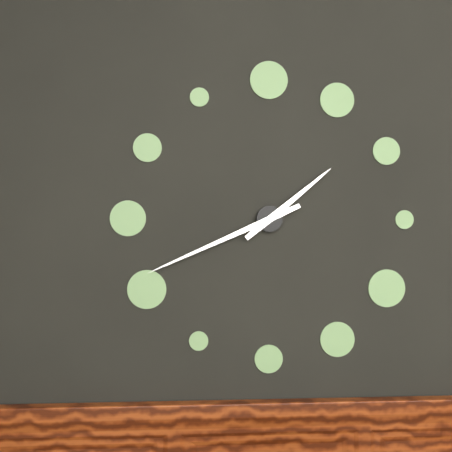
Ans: 1:41
